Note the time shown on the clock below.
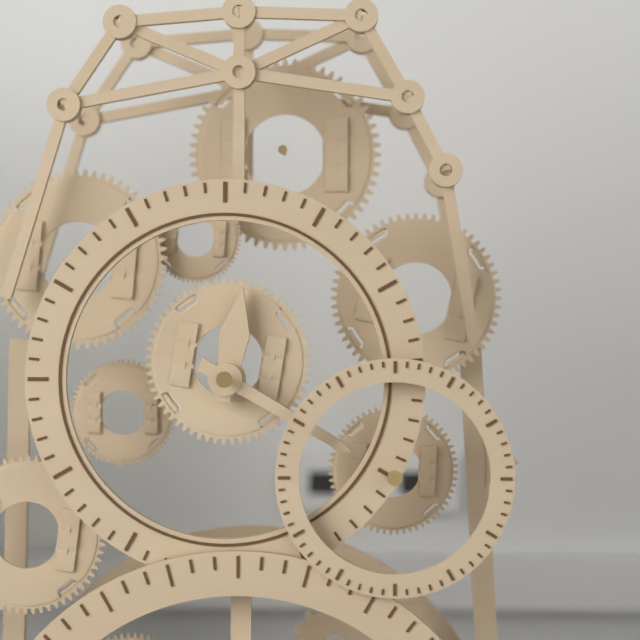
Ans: 12:20
